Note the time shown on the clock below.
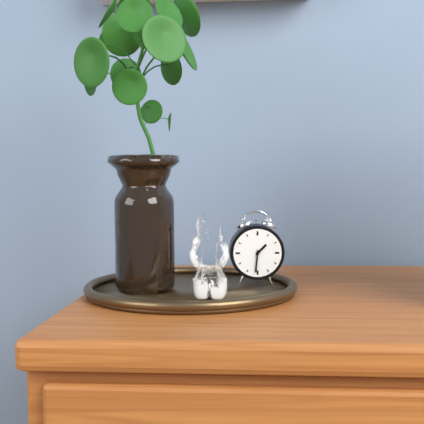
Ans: 1:31
